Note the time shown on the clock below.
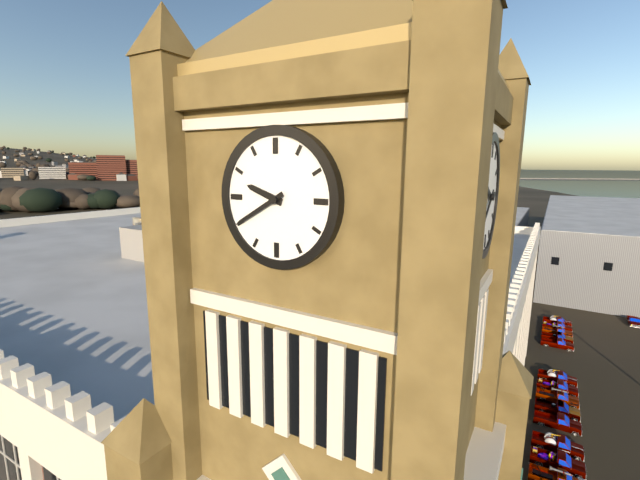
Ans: 9:40
